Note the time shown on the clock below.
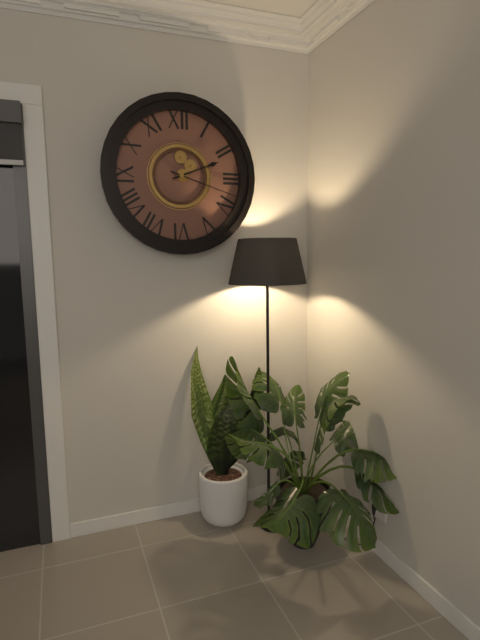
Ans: 2:18
